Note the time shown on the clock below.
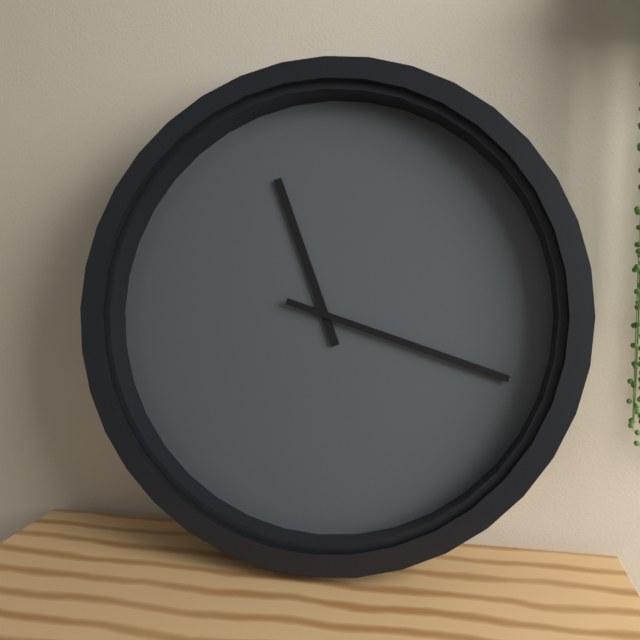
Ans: 11:18
